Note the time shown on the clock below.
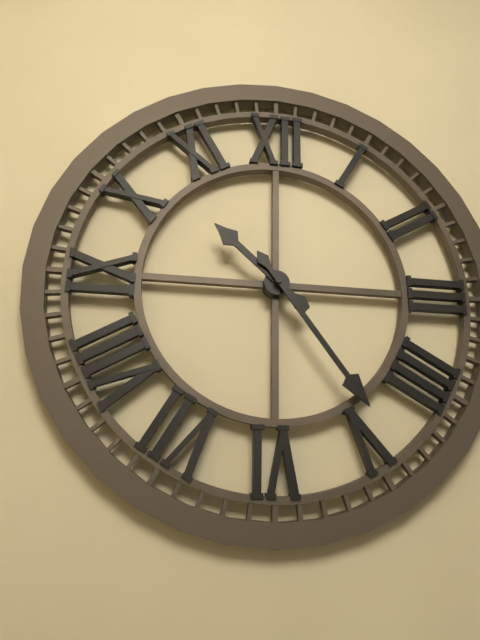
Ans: 10:24
